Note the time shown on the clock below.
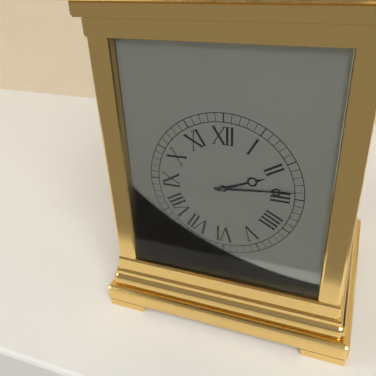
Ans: 2:14
